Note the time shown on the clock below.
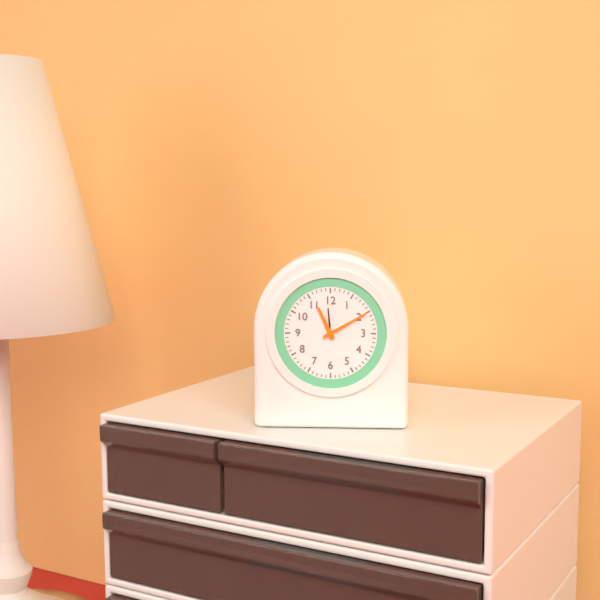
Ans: 11:10
